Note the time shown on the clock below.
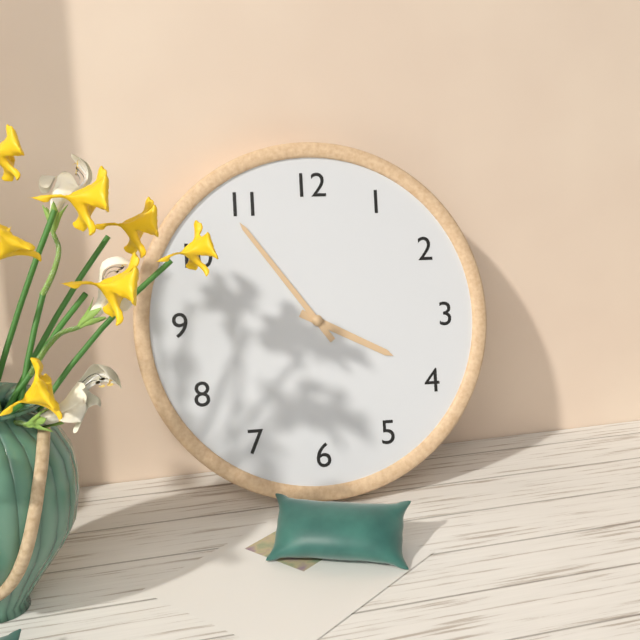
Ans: 3:54
